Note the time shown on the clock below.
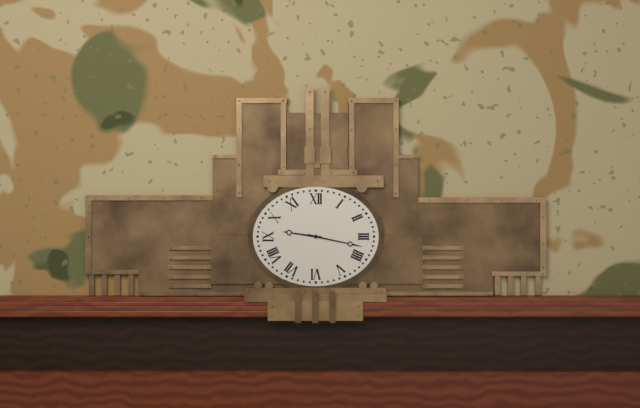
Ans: 9:17
